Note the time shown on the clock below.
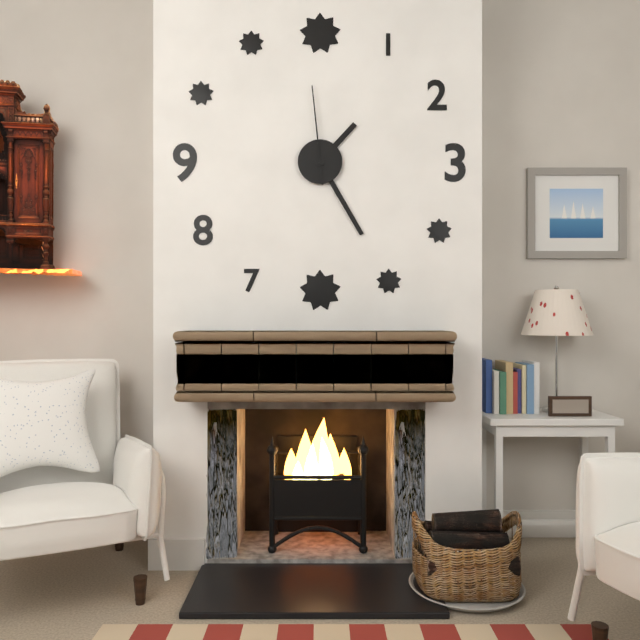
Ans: 1:25:59
